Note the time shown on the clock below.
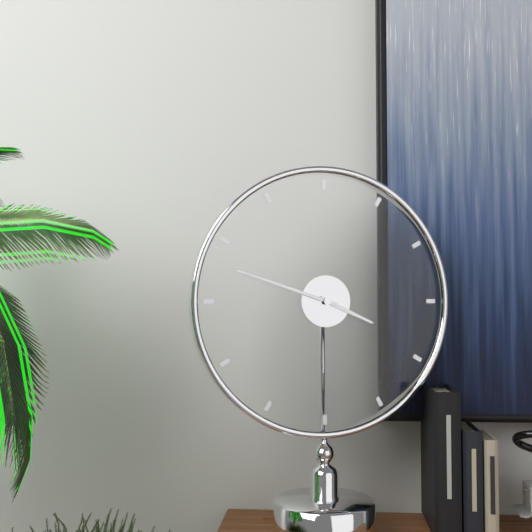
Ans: 3:48
